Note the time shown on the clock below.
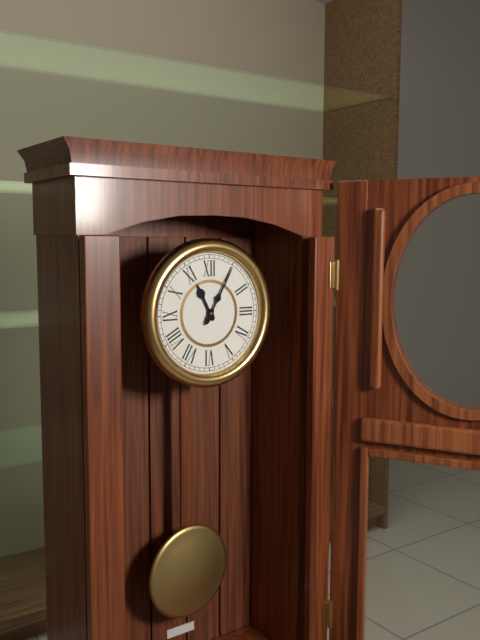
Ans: 11:05
